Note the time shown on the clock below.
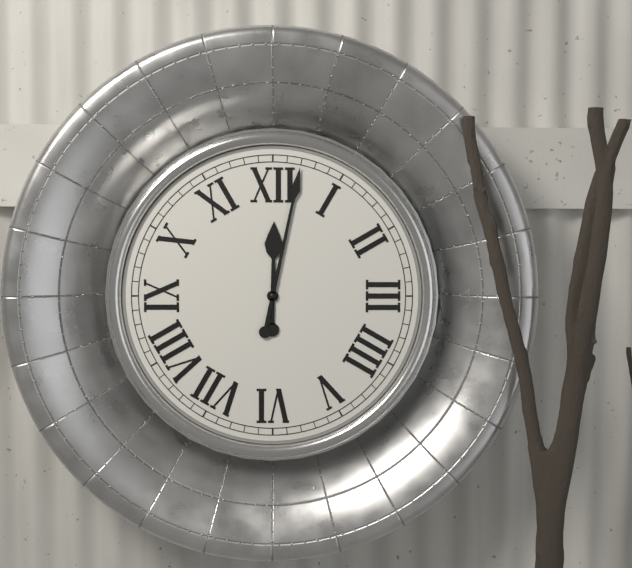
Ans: 12:02
